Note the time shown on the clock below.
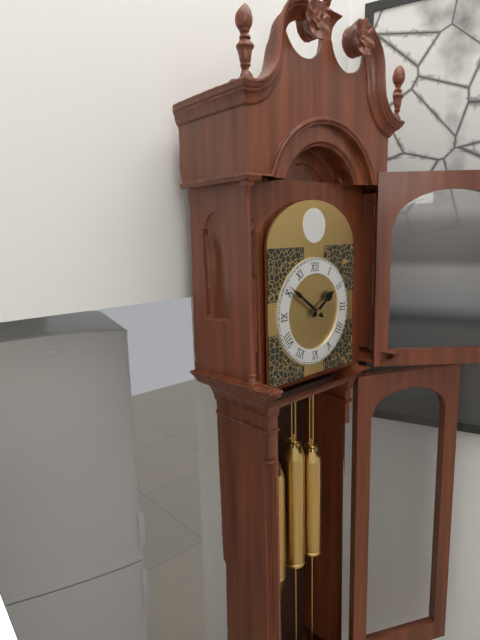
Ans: 1:51
